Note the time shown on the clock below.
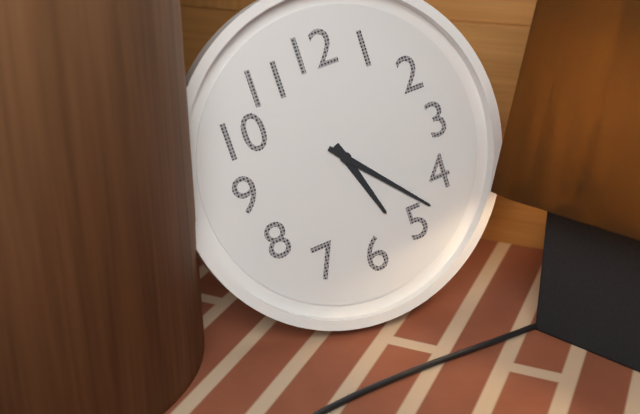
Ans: 5:23
